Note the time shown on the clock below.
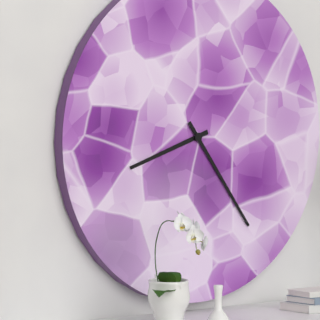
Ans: 8:24
